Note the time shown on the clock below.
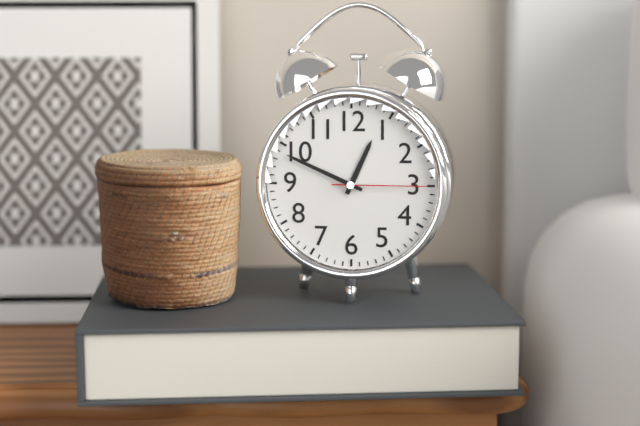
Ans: 12:49:15
